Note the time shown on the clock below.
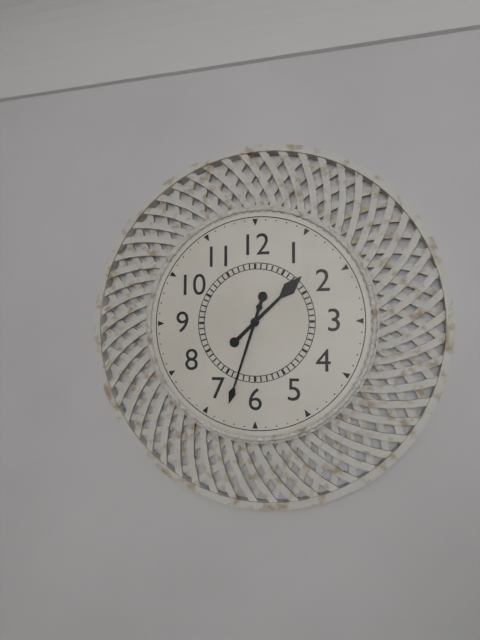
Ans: 1:33
